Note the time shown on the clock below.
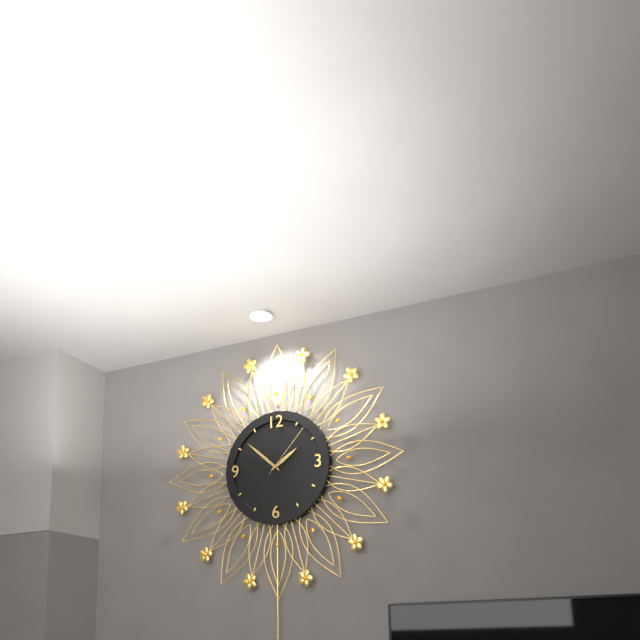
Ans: 1:52:07
